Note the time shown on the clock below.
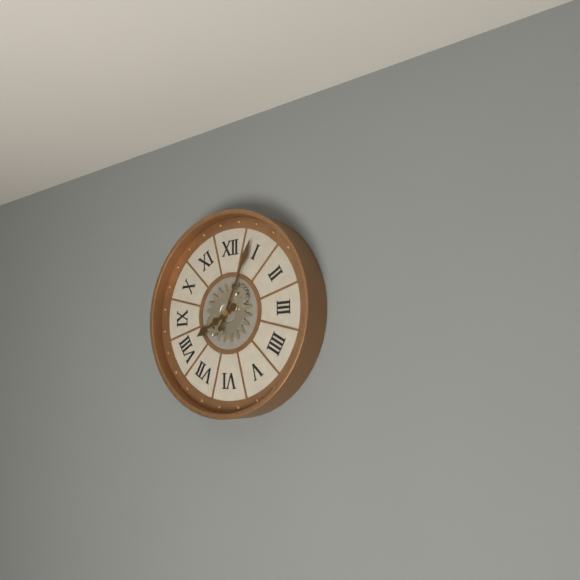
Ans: 8:04
